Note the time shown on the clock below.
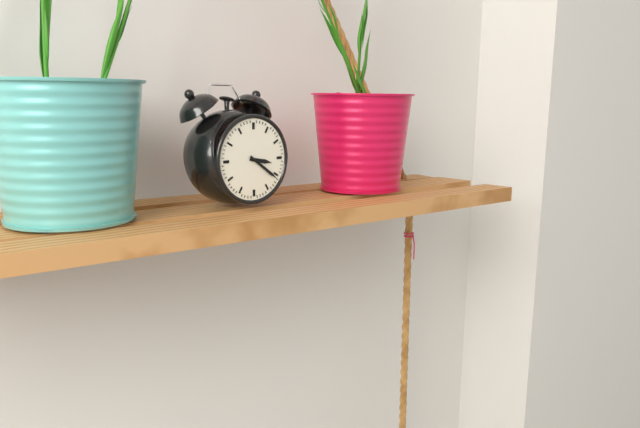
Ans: 3:21
